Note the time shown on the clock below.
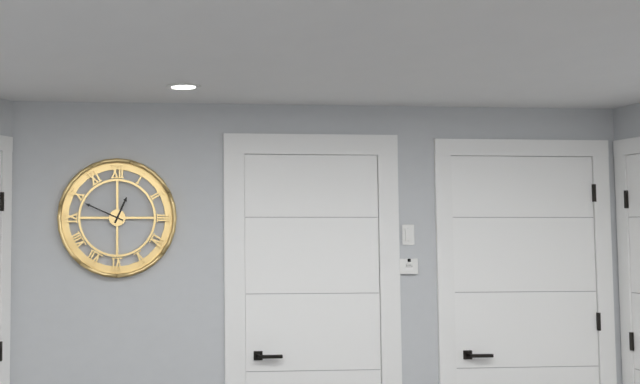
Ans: 12:49
